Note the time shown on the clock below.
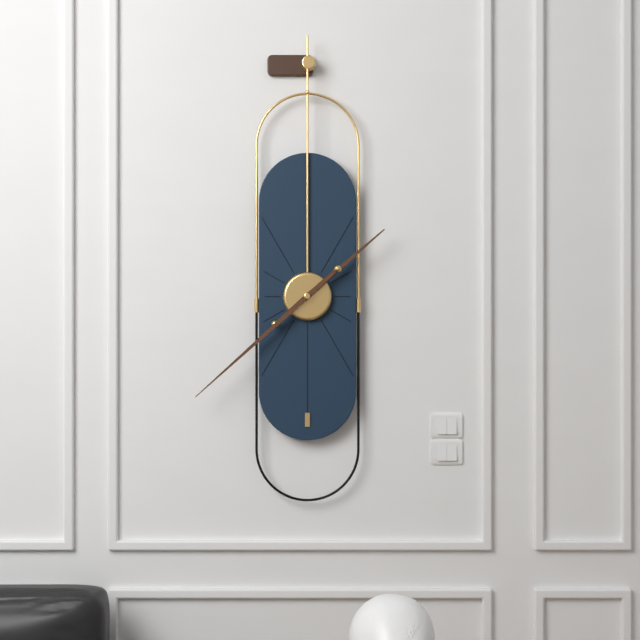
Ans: 1:38
